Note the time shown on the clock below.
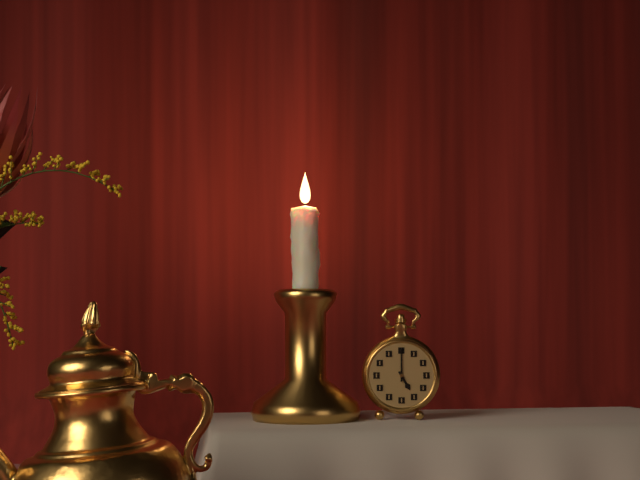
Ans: 5:00
